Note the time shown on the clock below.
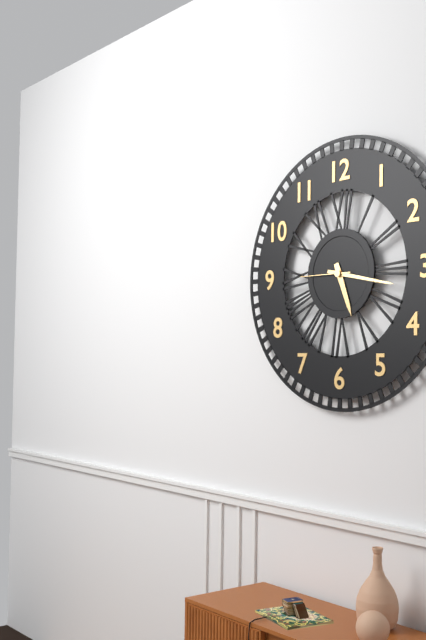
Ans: 5:17
